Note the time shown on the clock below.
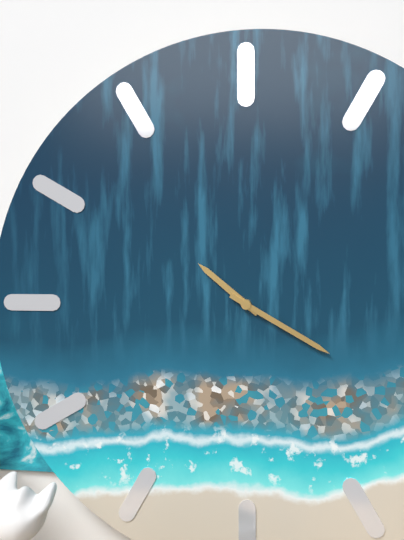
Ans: 10:20
